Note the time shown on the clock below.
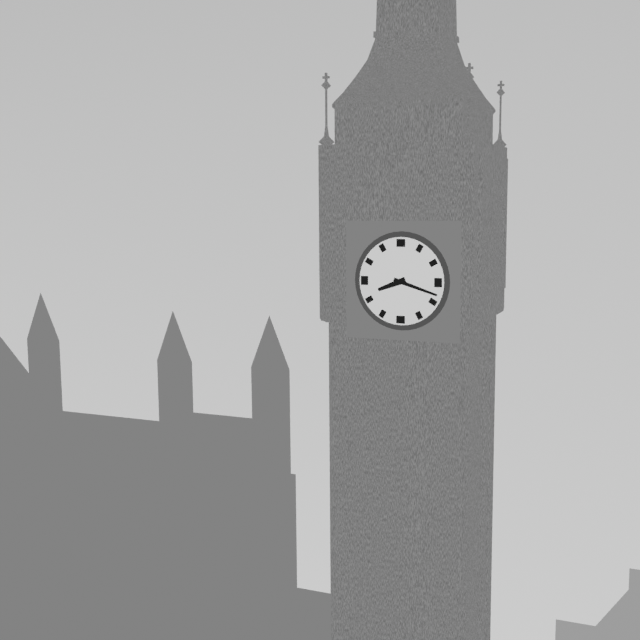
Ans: 8:18
